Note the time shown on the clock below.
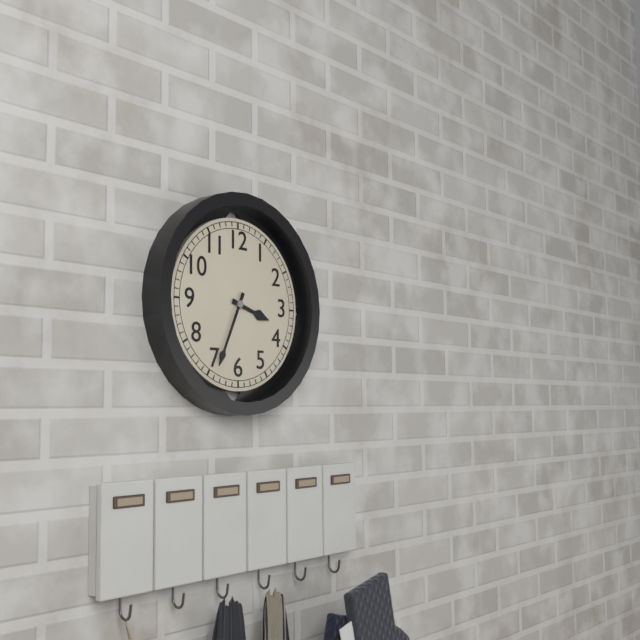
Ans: 3:34
